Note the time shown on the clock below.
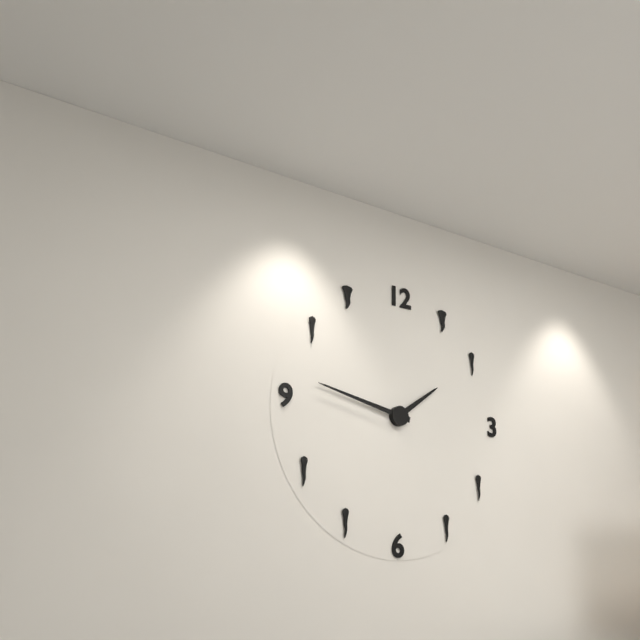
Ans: 1:47
